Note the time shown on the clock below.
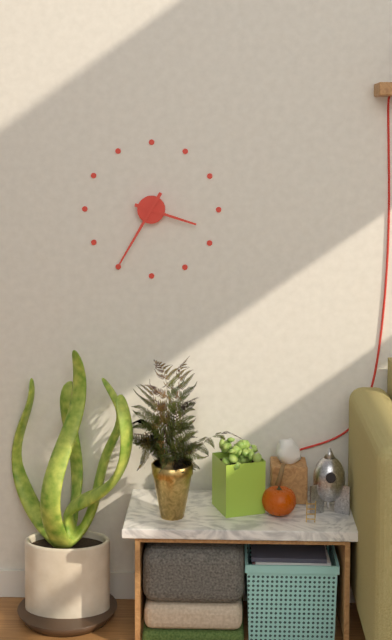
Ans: 3:35
